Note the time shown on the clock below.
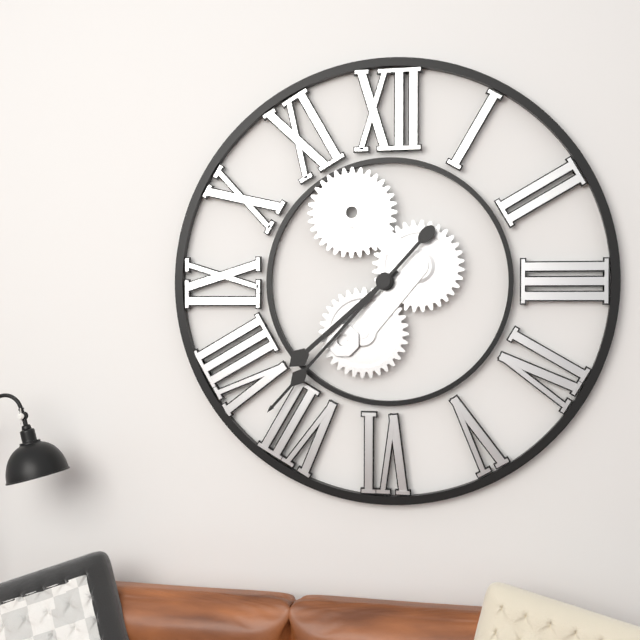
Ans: 7:37
